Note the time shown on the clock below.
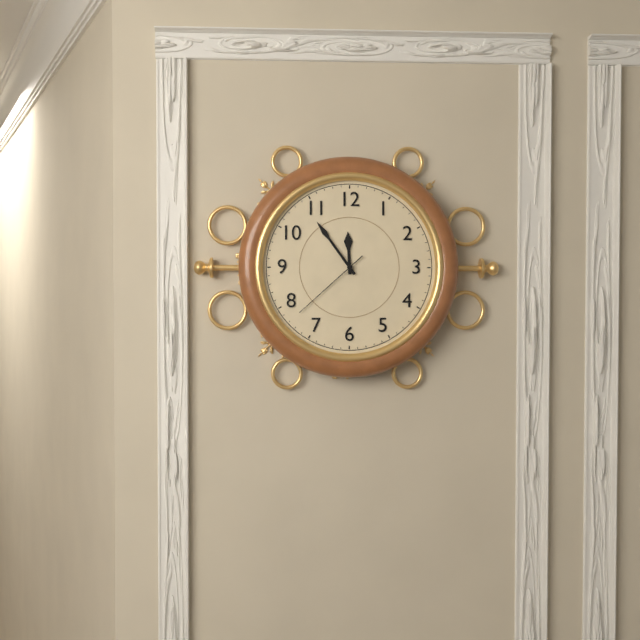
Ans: 11:54:38
